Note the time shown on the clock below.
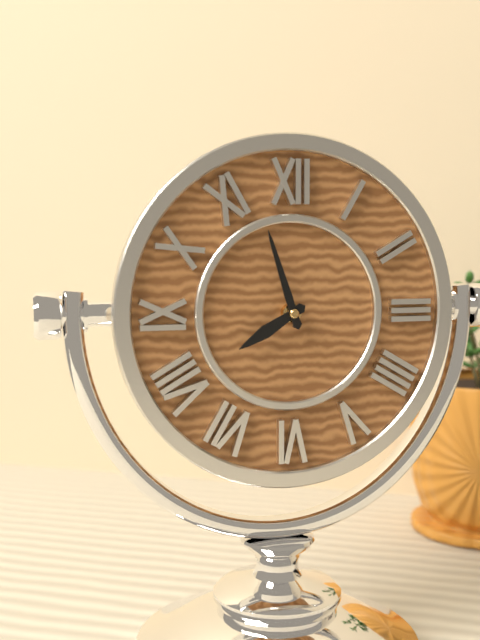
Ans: 7:57
